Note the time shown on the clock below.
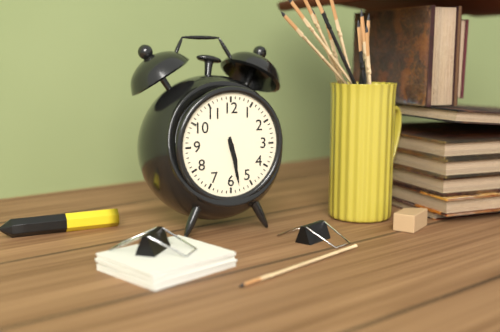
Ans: 5:28
